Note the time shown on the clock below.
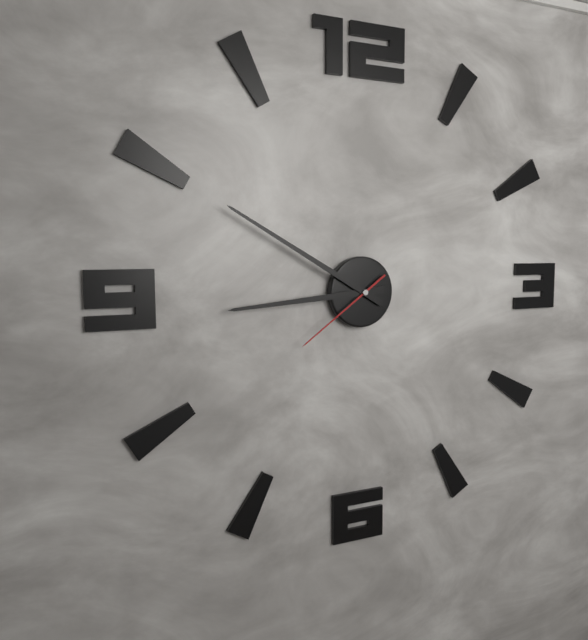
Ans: 8:50:39
